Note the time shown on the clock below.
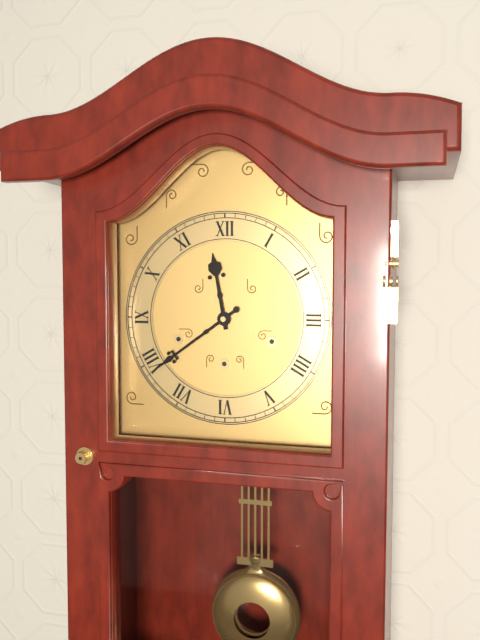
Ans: 11:39
